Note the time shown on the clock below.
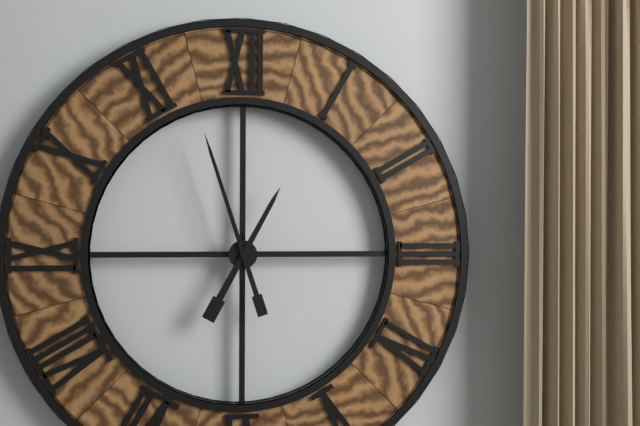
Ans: 12:57
